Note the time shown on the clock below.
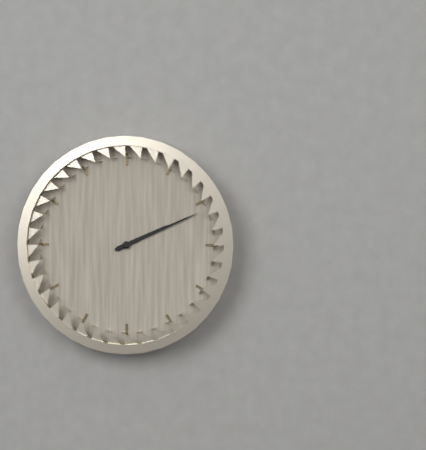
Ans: 2:11
